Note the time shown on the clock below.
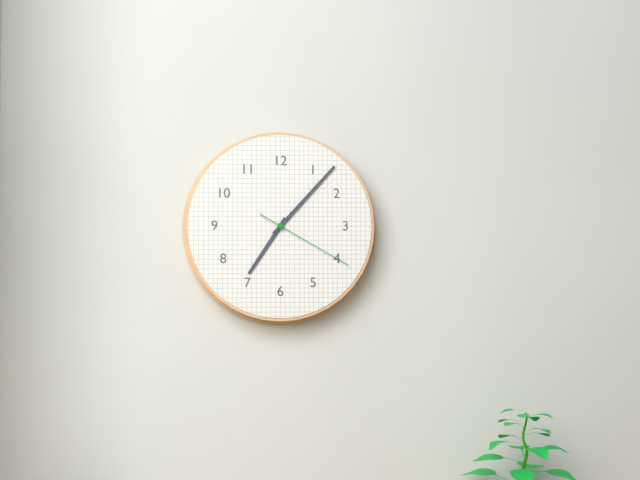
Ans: 7:07:20
